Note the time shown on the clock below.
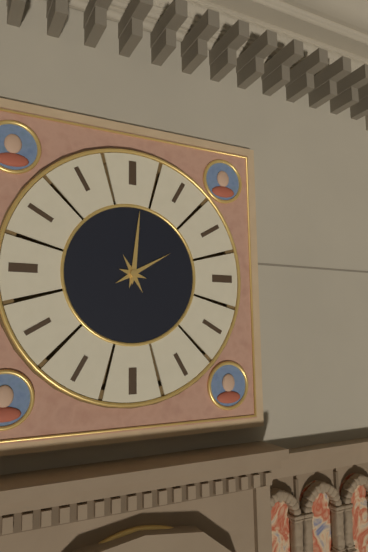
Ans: 2:01
